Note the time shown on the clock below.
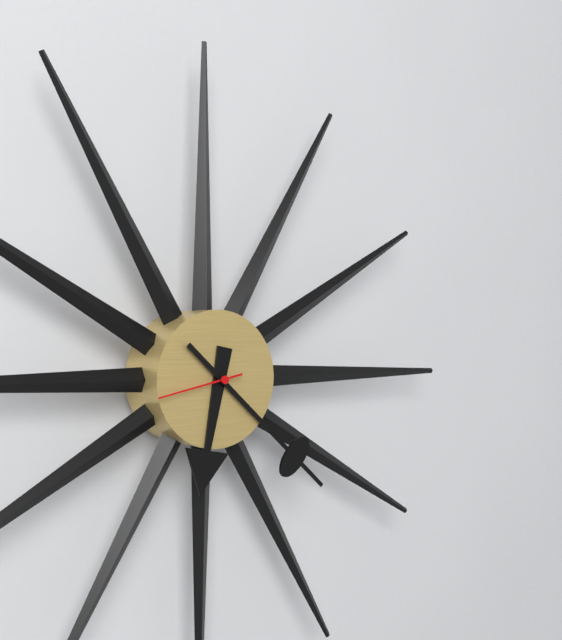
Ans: 6:22
